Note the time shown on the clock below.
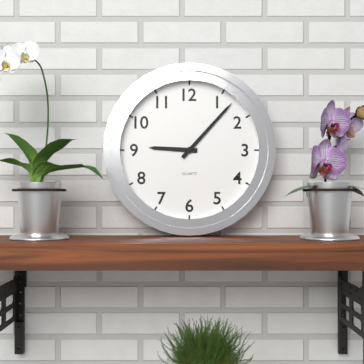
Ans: 9:07
